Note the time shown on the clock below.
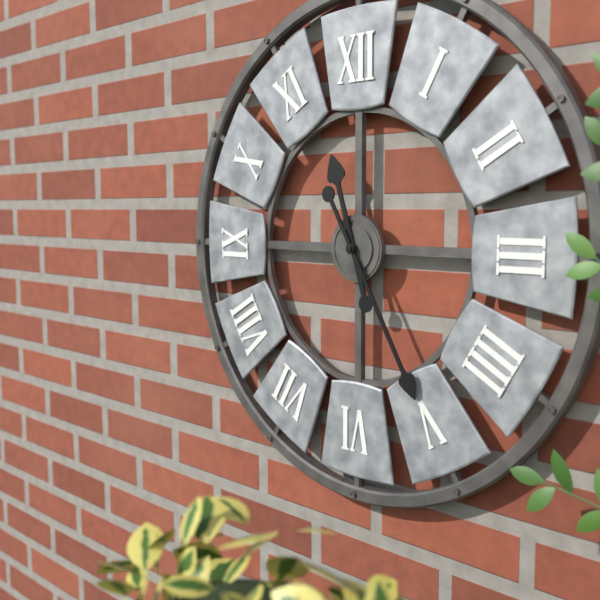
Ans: 11:25
